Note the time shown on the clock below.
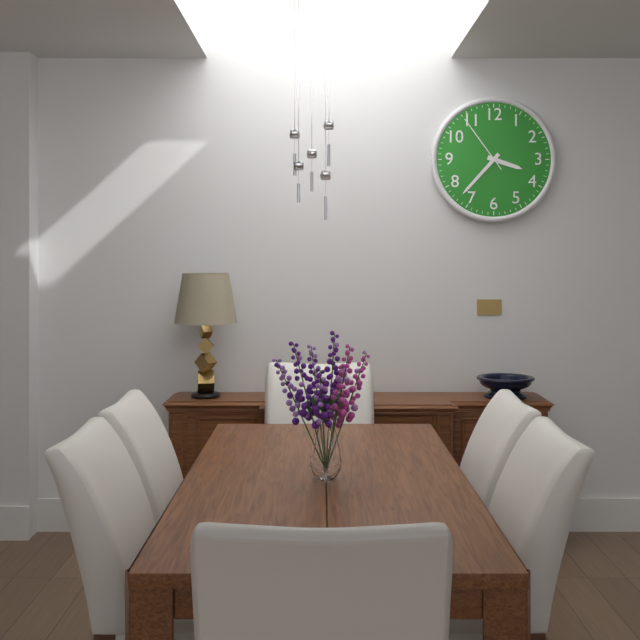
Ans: 3:37:54
